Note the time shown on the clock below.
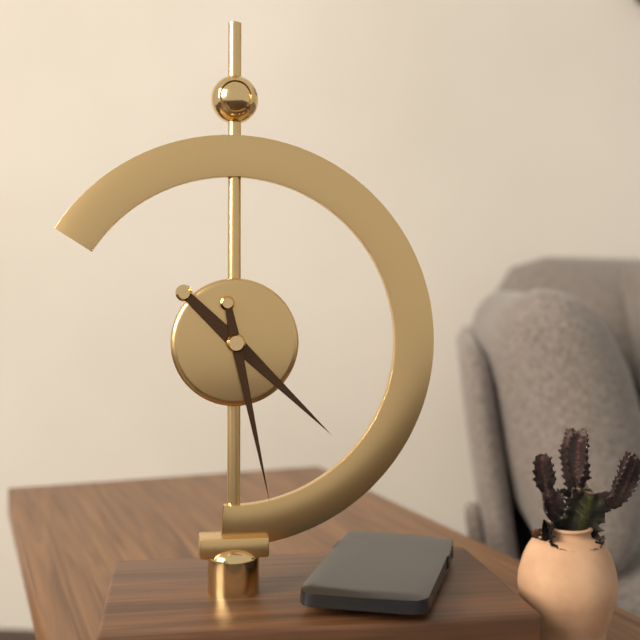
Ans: 4:28
